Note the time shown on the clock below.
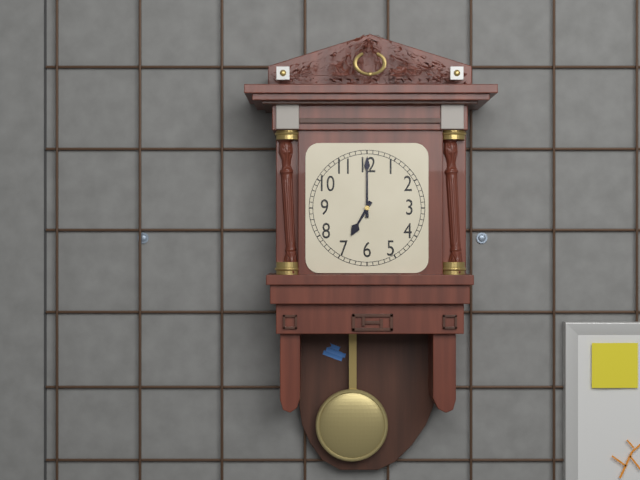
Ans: 7:00
